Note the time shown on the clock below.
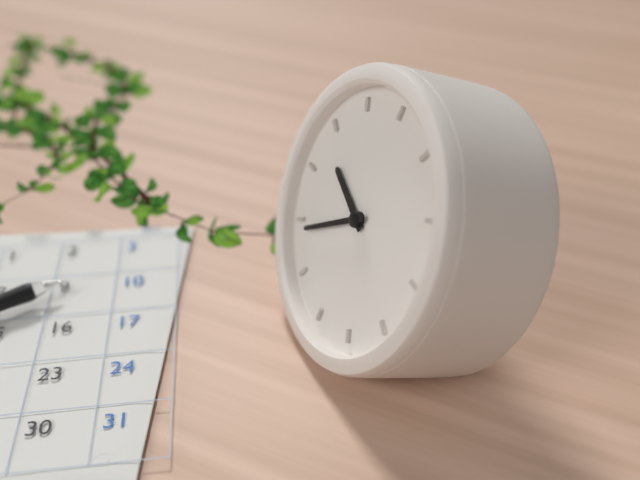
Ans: 9:39
